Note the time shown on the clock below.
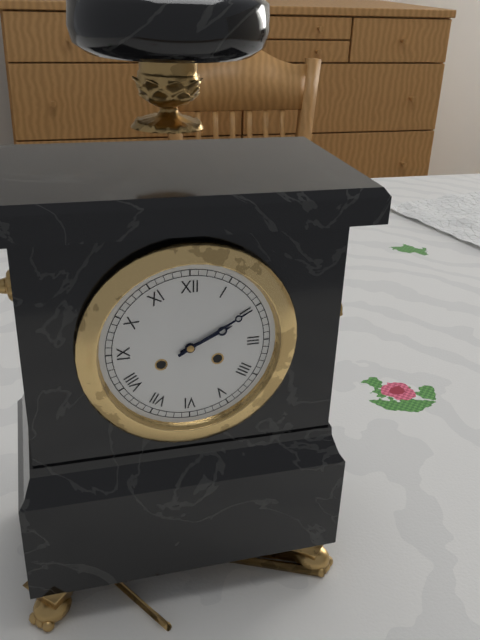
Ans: 2:10
